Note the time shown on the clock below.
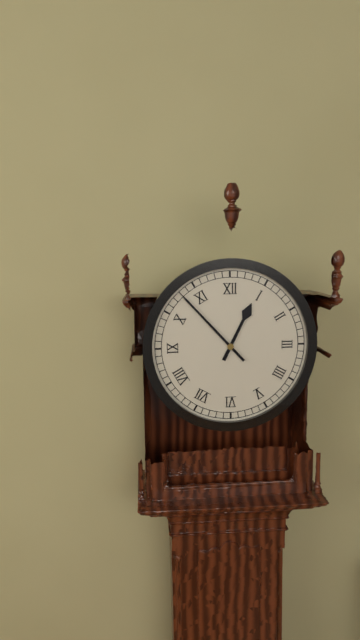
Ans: 12:53
